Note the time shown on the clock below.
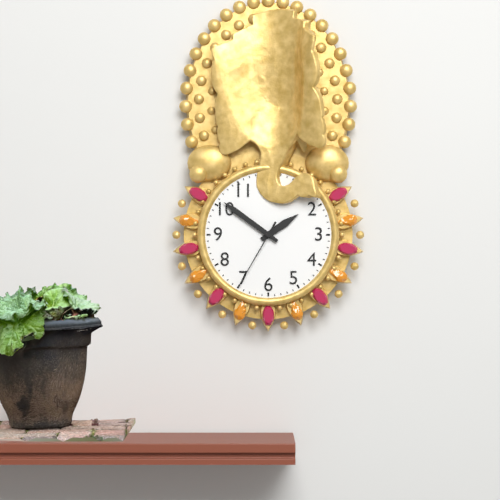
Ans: 1:51:35
